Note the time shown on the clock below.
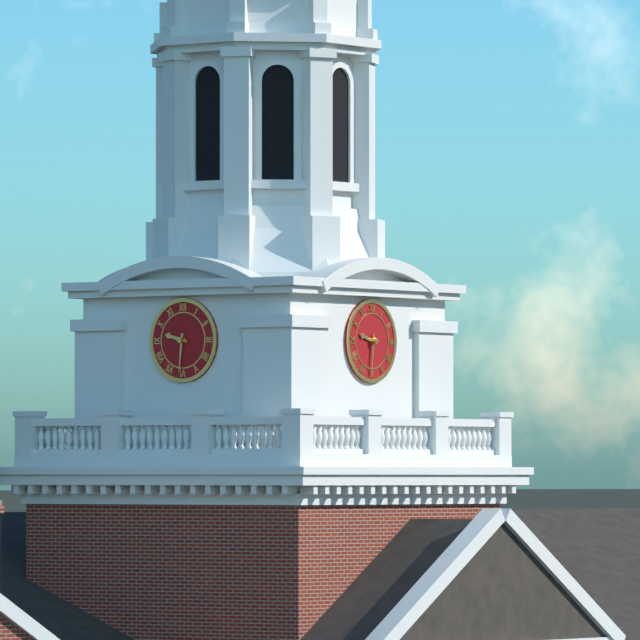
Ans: 9:31
